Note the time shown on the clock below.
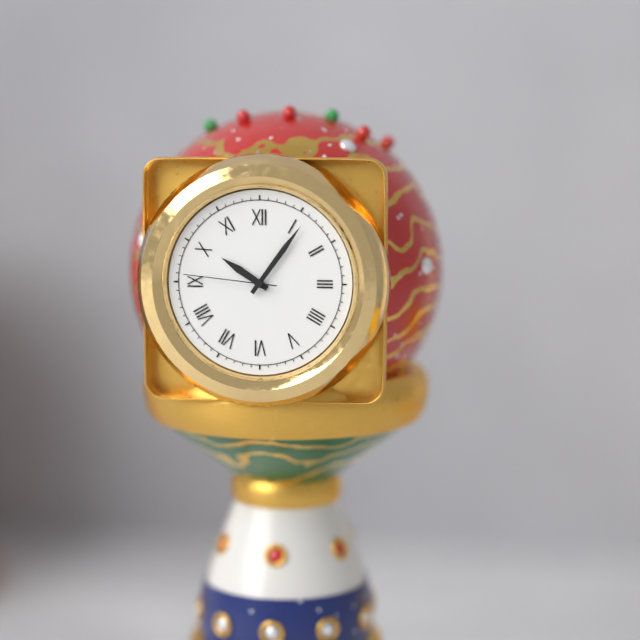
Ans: 10:06:46
